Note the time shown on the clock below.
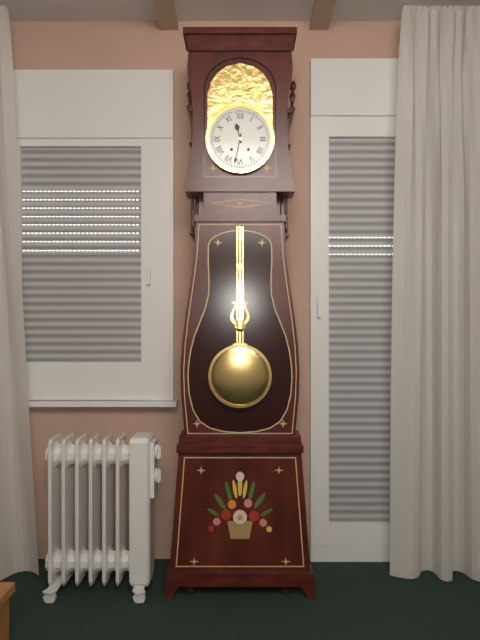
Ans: 11:32
